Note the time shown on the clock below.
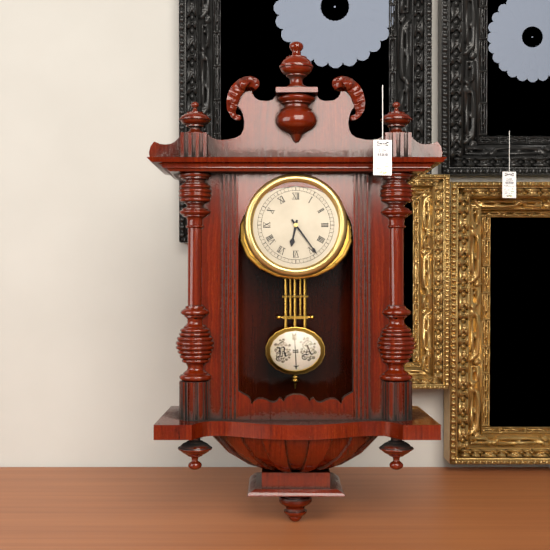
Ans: 6:24
